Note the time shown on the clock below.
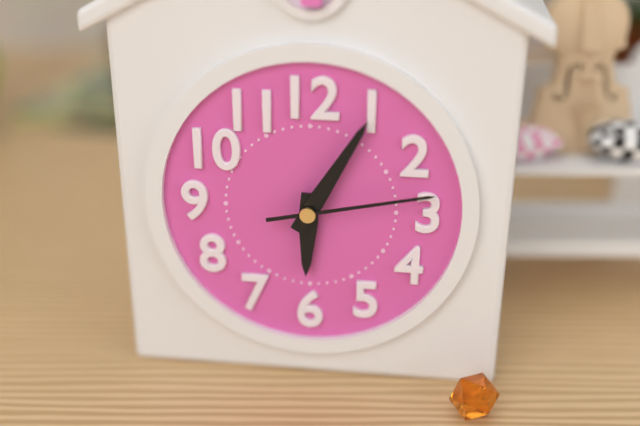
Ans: 6:05:13
